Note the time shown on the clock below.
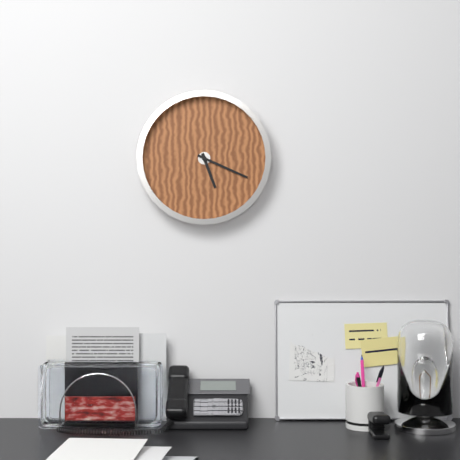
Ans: 5:19
